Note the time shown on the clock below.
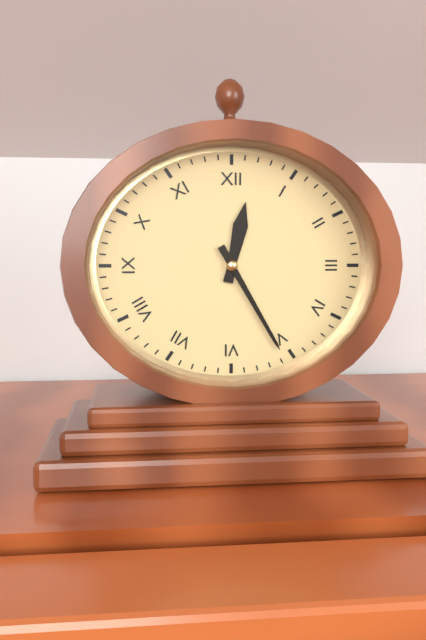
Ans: 12:25
